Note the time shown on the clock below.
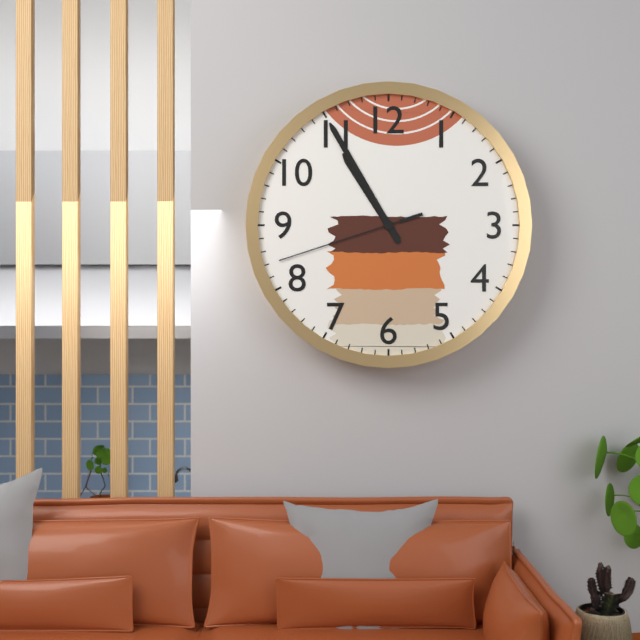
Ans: 10:55:42
